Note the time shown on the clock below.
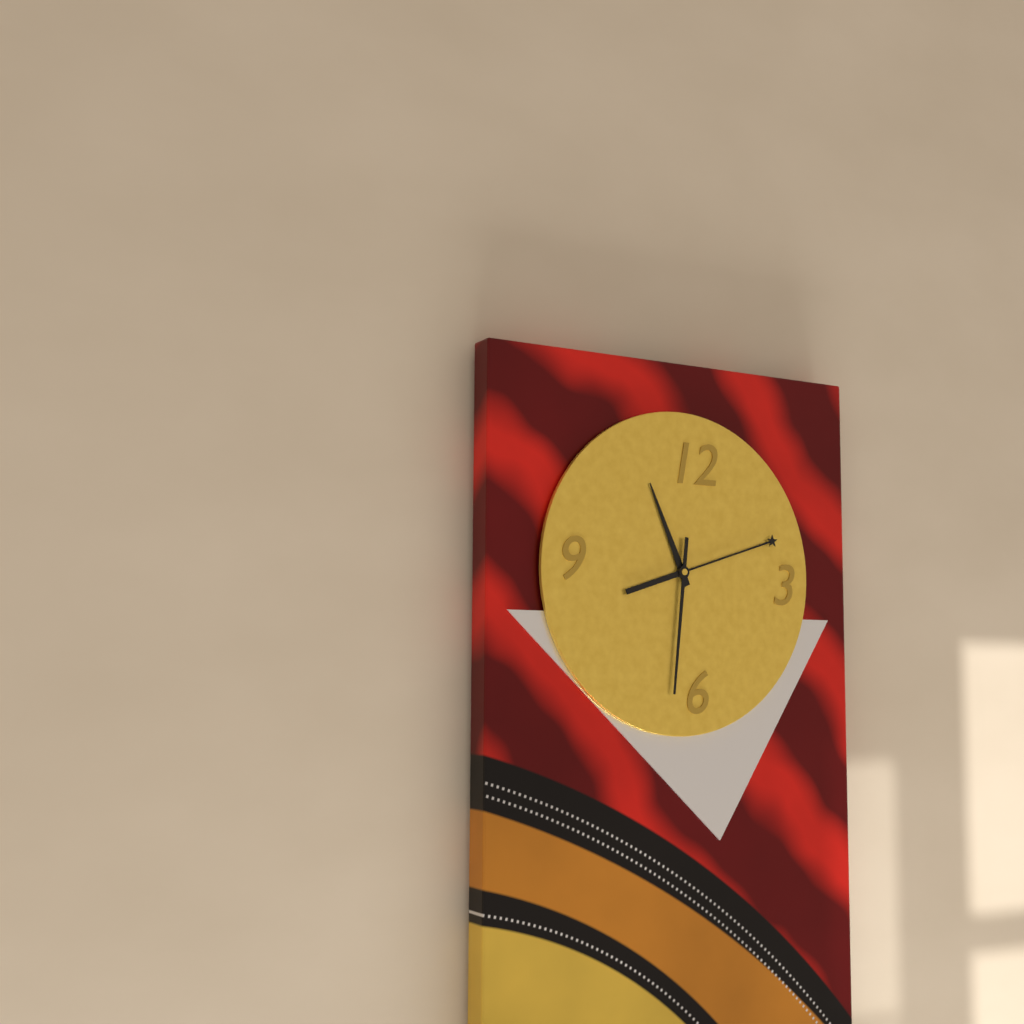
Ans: 11:12:31
